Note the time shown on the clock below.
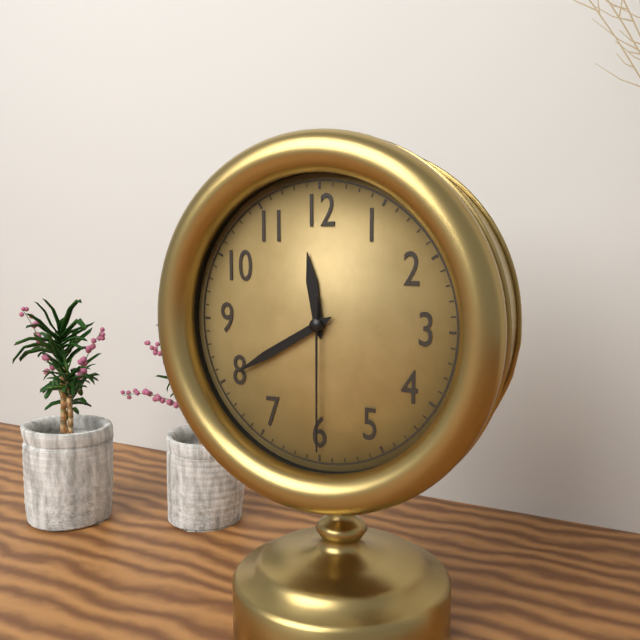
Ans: 11:40:30
